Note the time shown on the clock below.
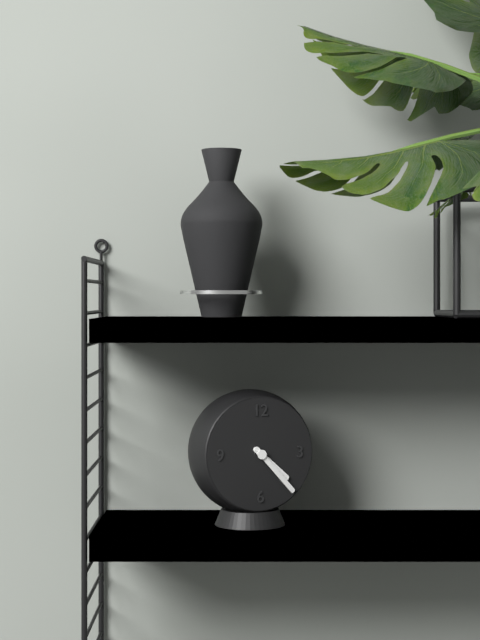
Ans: 4:23
